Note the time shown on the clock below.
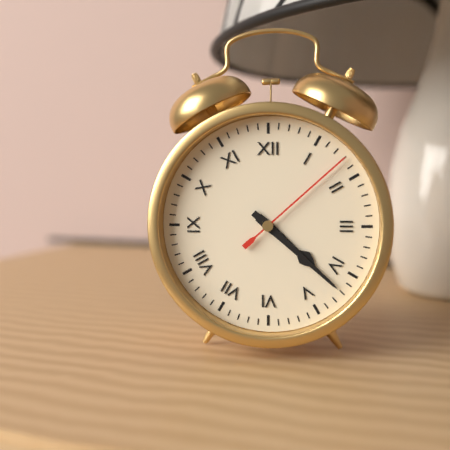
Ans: 4:22:08
